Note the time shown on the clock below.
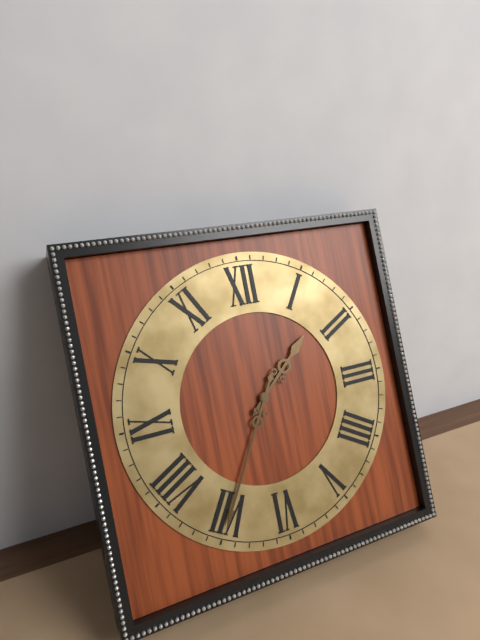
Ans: 1:35
